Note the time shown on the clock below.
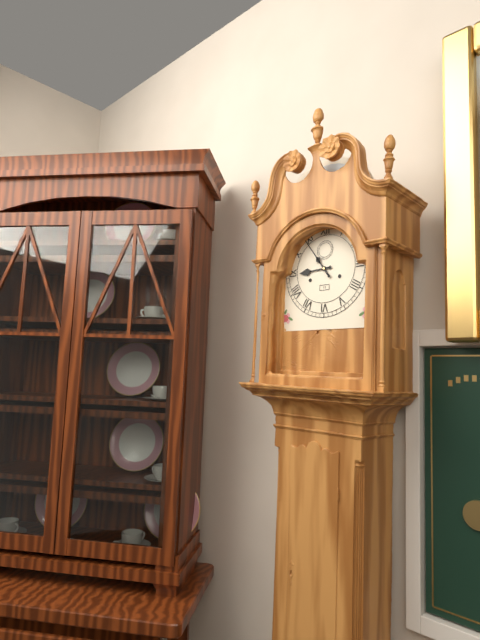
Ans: 8:54
